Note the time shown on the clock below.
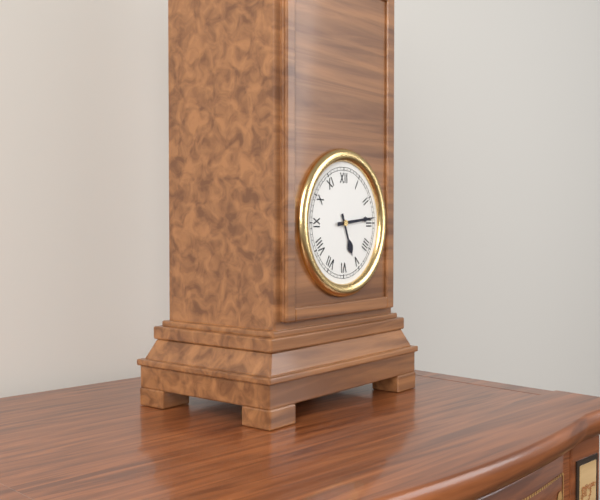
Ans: 5:14
